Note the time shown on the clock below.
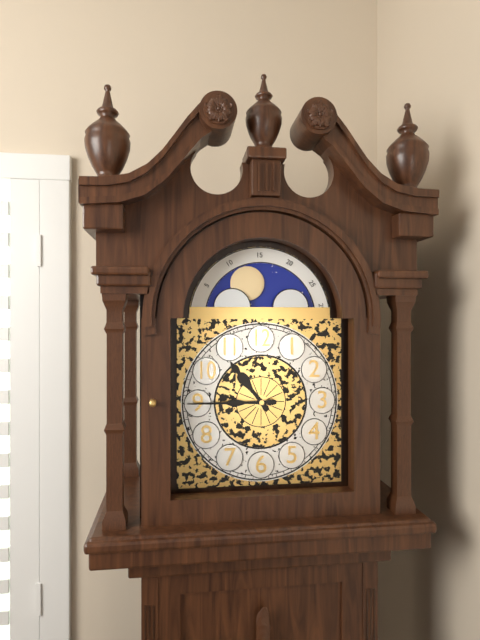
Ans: 10:45
